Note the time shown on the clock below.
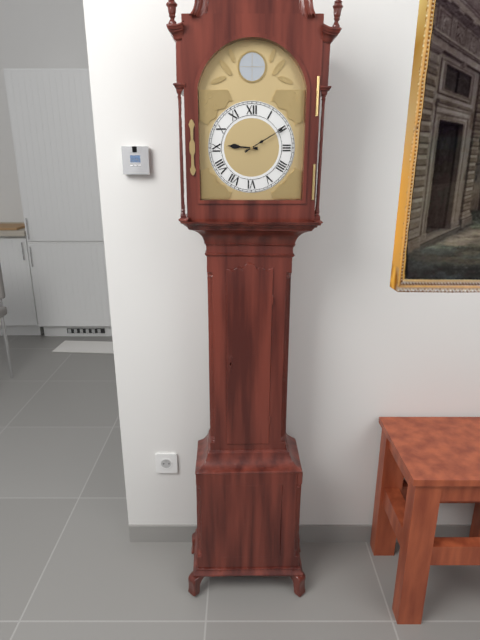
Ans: 9:10
